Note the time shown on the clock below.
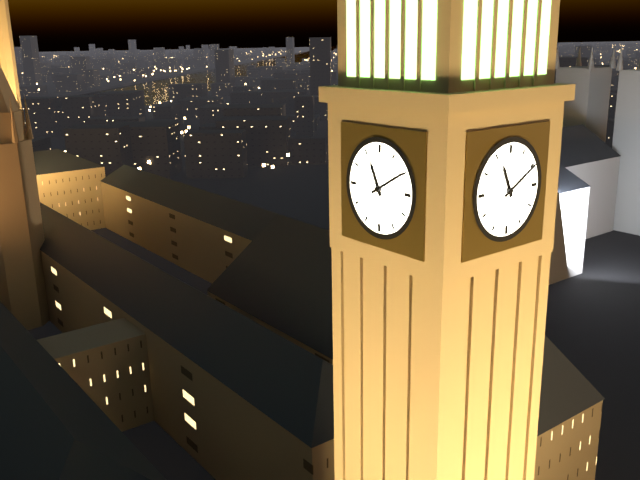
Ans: 11:10
